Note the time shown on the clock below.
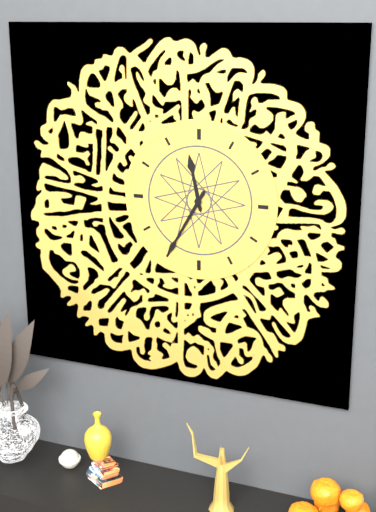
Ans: 11:35
